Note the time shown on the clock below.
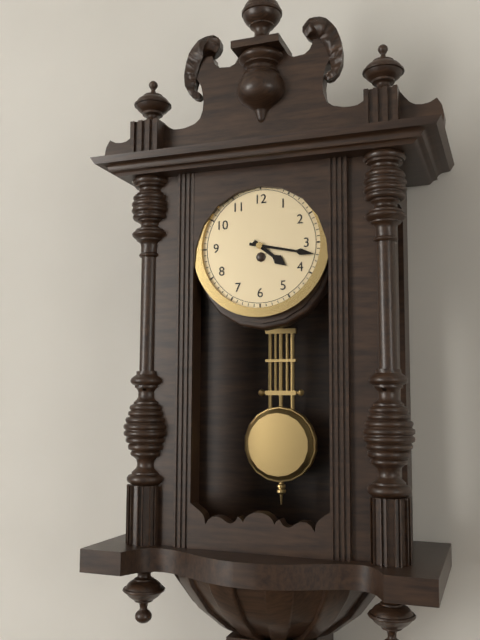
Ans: 4:17
